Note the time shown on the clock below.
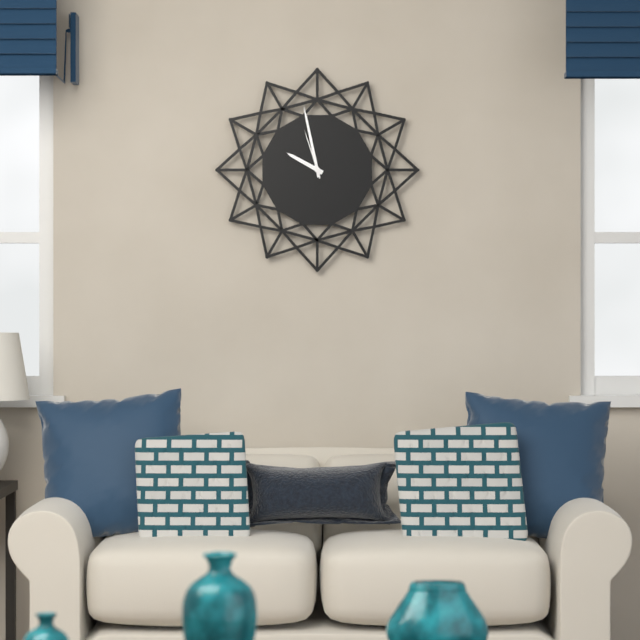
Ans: 9:58:57
